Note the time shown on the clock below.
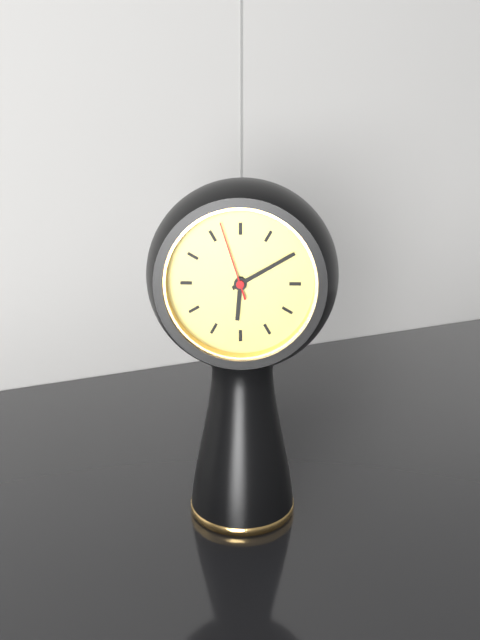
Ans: 6:10:57
